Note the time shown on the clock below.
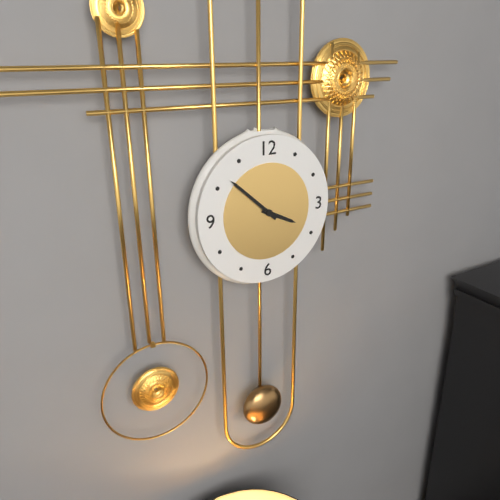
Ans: 3:52
